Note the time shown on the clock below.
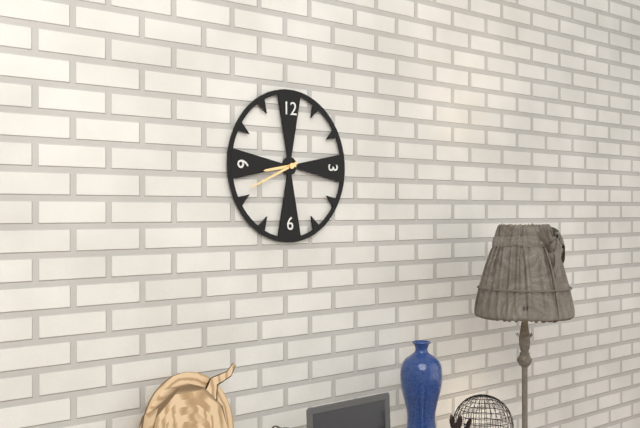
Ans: 8:41
